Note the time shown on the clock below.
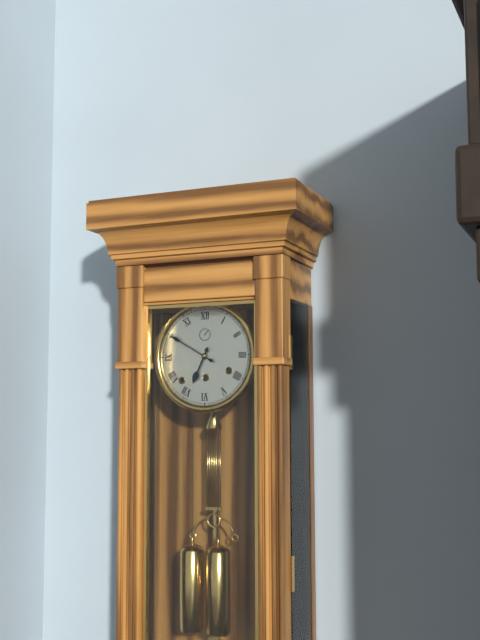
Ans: 6:50
